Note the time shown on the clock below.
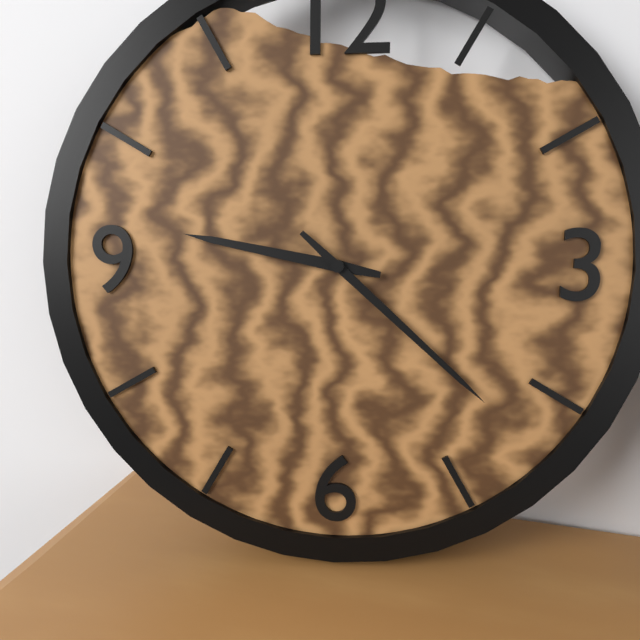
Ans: 9:22
